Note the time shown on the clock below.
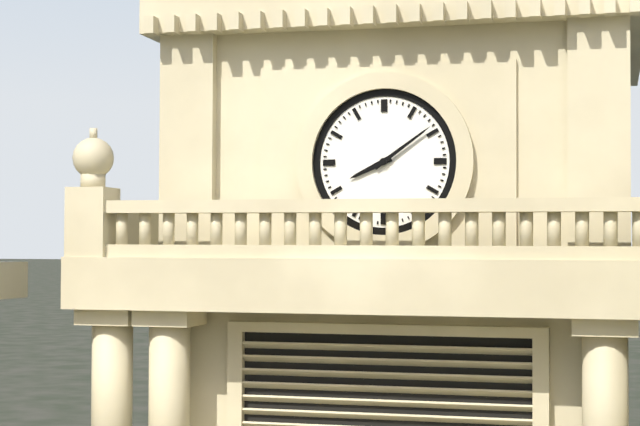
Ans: 8:09
